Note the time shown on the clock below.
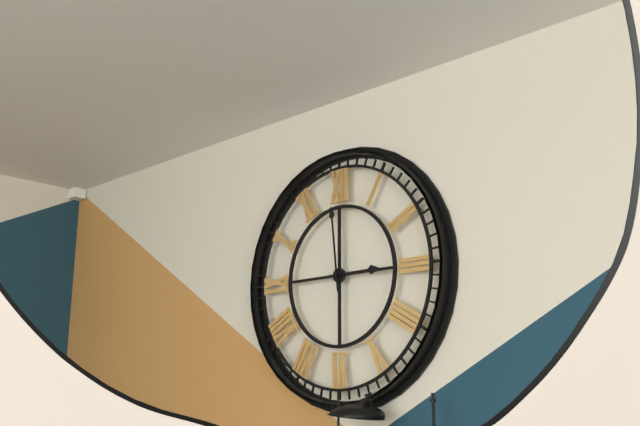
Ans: 2:59
